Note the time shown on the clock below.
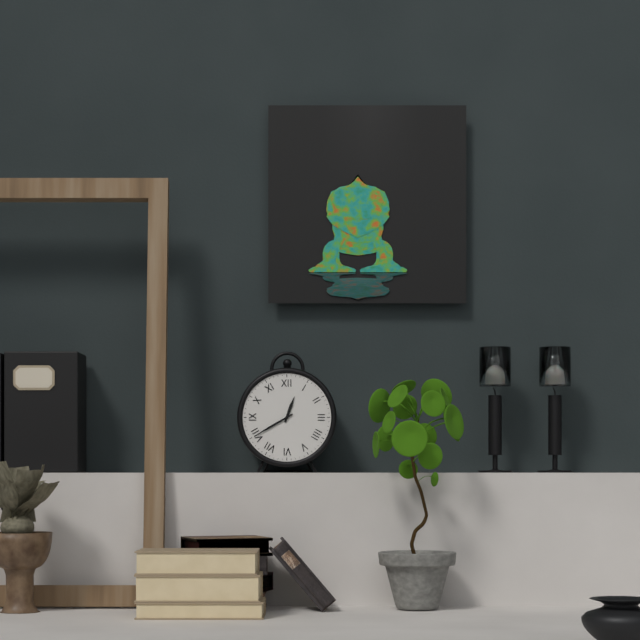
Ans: 12:40
